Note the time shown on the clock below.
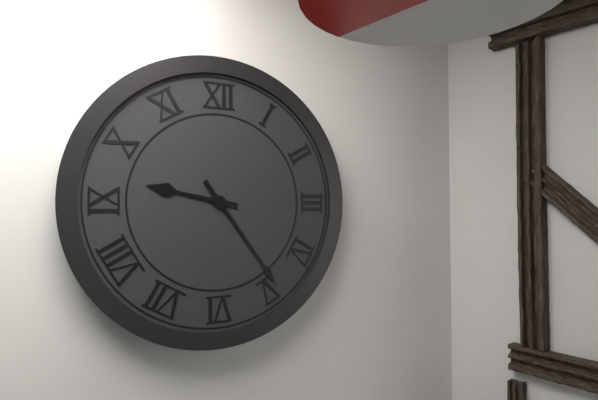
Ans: 9:24
